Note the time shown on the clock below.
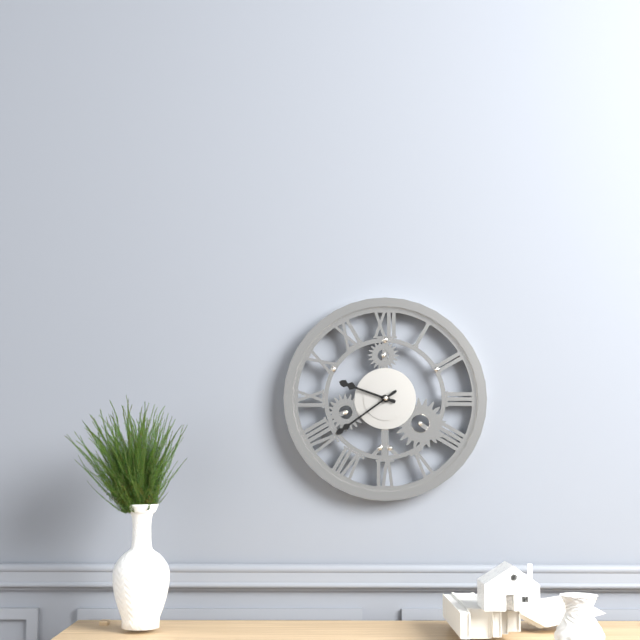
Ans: 9:39
